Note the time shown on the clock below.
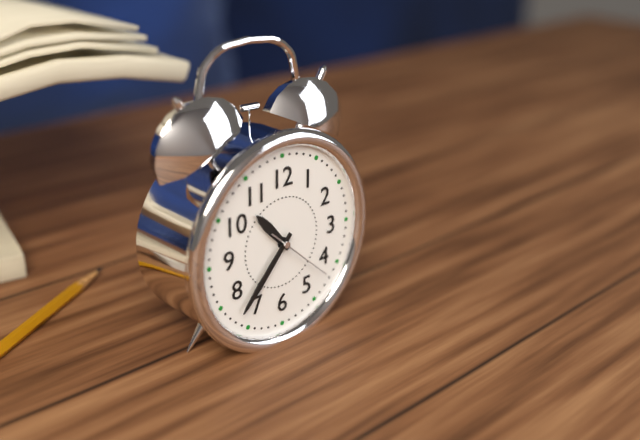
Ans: 10:37:22
